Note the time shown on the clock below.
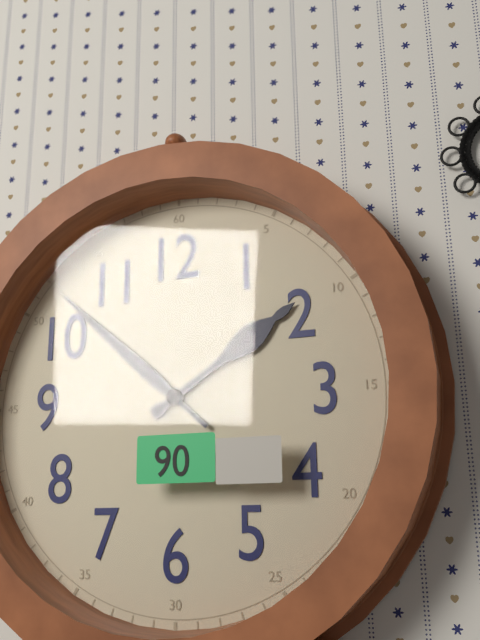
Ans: 1:52
